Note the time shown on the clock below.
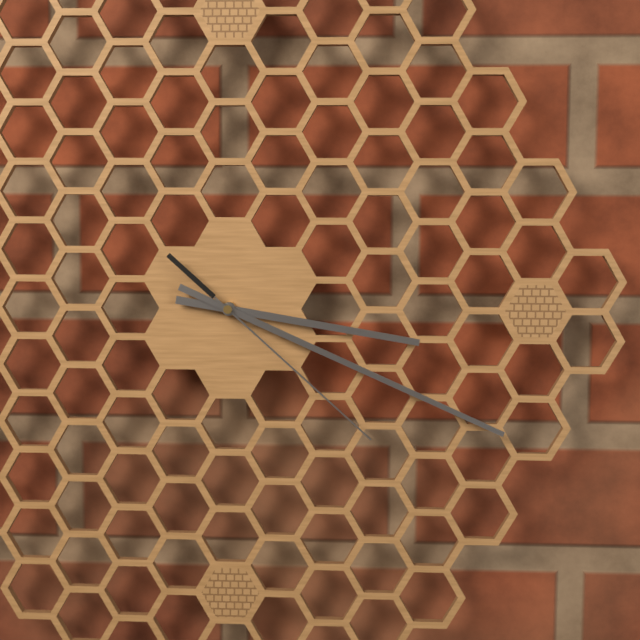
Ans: 3:19:22
